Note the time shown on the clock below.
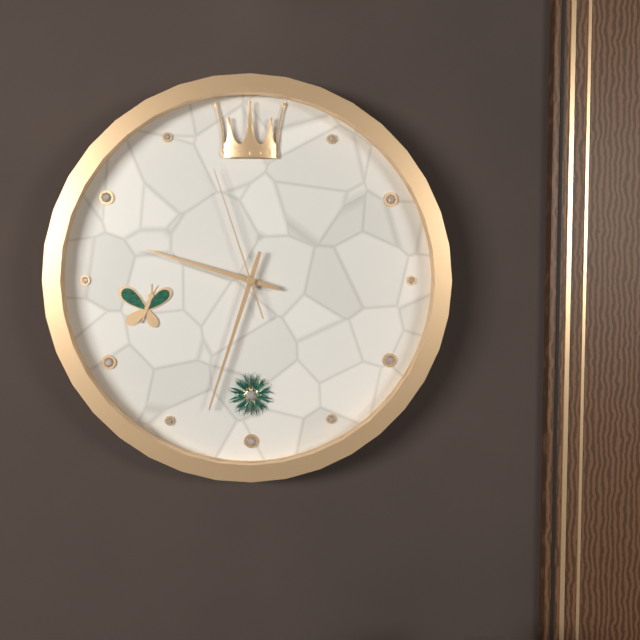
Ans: 9:33:57
